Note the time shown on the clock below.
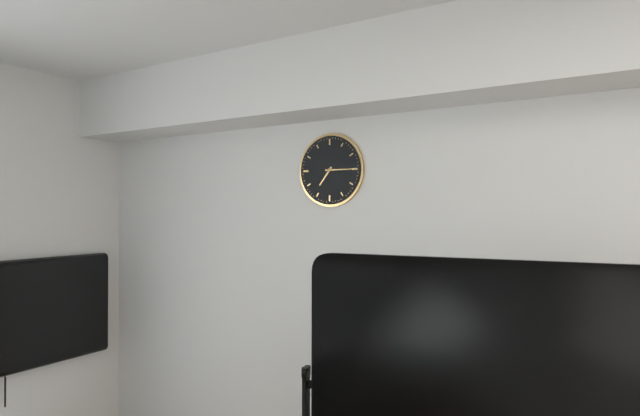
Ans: 7:15
